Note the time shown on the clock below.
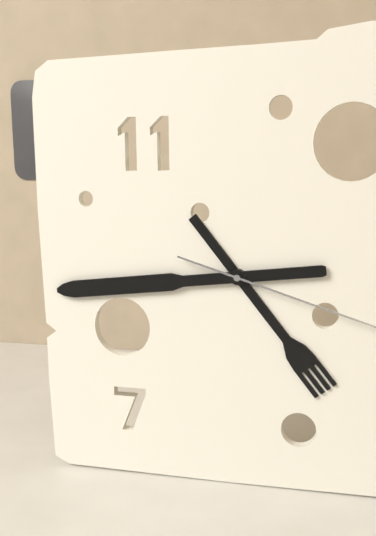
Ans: 4:44
